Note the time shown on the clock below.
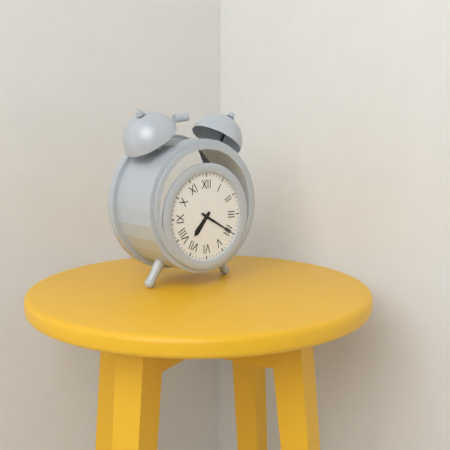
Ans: 7:20
